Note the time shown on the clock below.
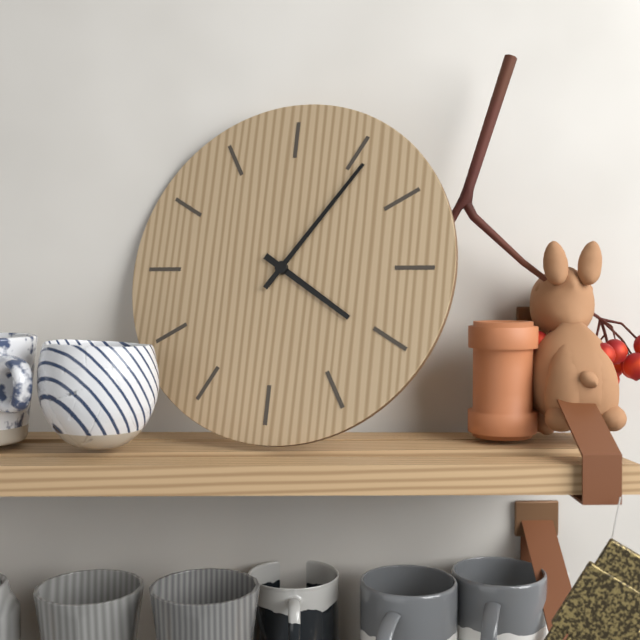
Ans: 4:06
